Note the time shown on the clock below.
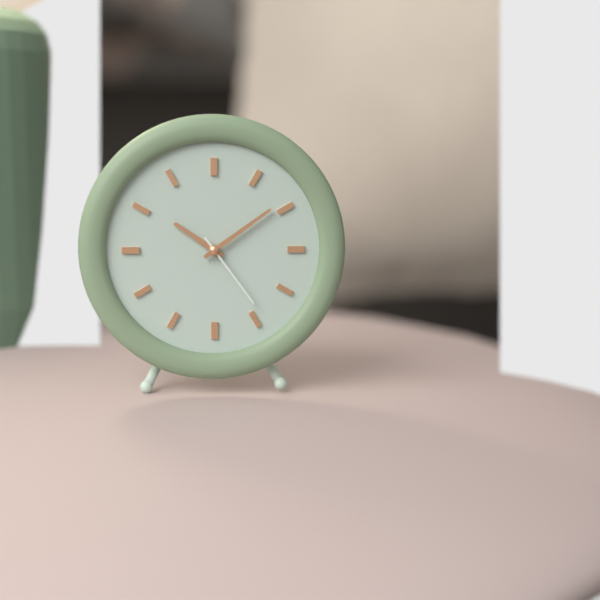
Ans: 10:09:24
